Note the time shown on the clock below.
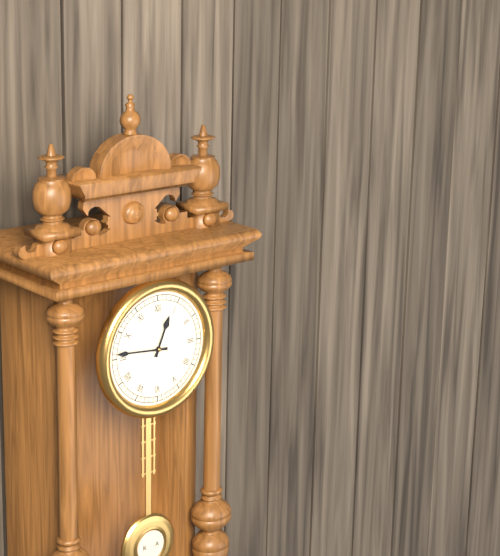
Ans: 12:46
